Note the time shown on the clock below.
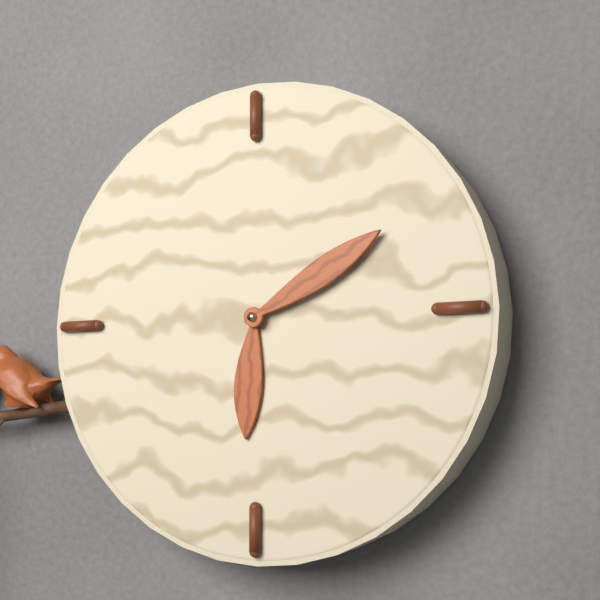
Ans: 6:10
